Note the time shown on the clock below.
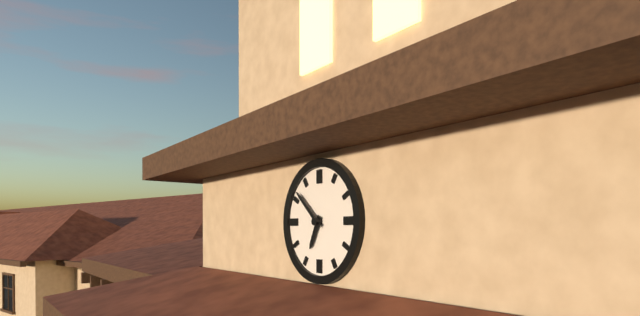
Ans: 6:52
